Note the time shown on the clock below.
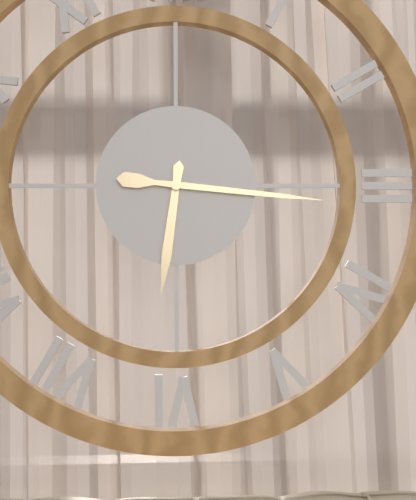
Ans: 6:16
